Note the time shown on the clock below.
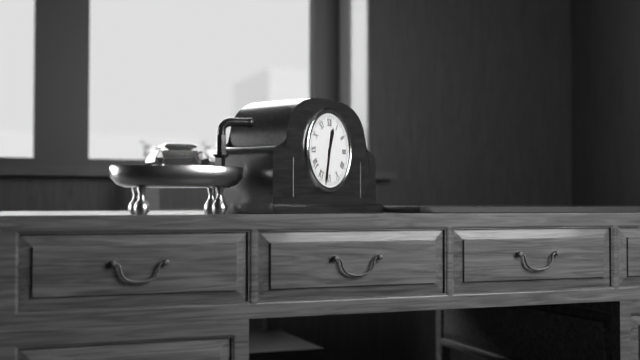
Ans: 12:32
